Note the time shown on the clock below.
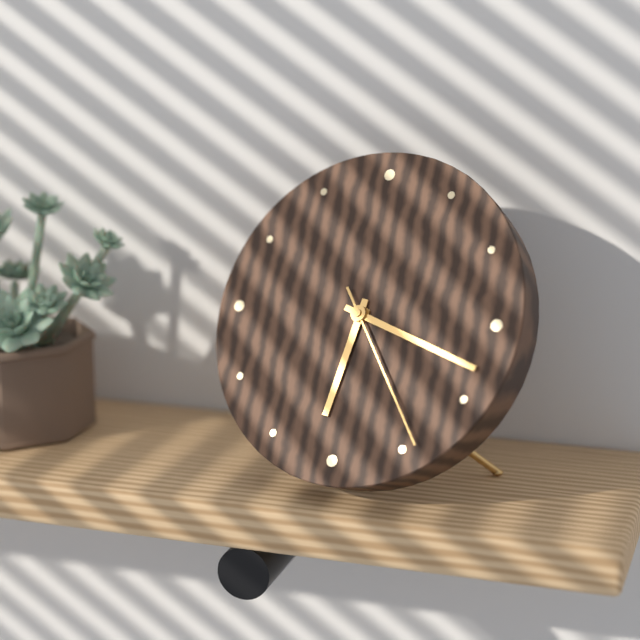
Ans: 6:18:24
